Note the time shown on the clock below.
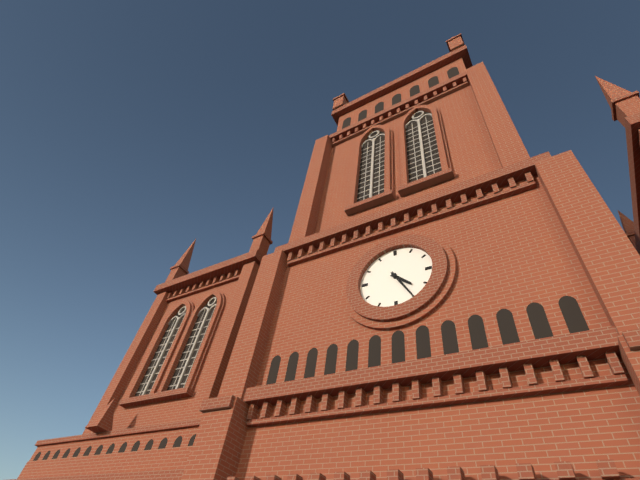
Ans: 4:25
